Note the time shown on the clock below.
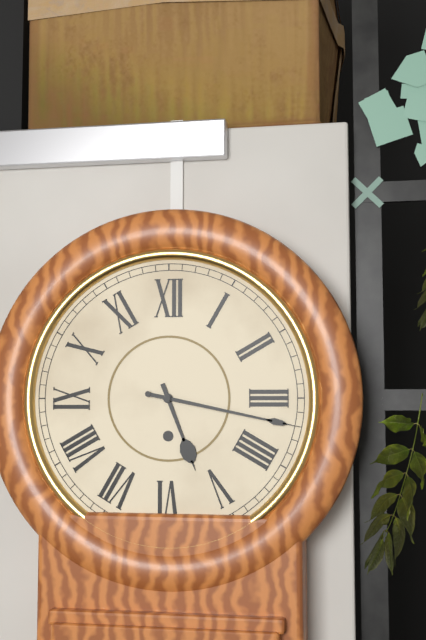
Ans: 5:17
